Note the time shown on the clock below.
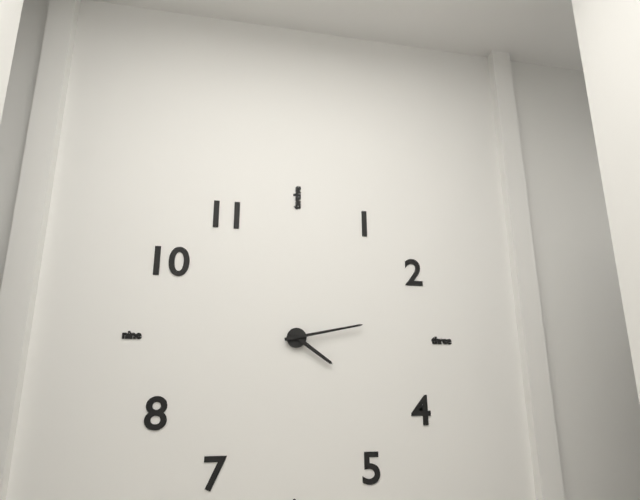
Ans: 4:13
